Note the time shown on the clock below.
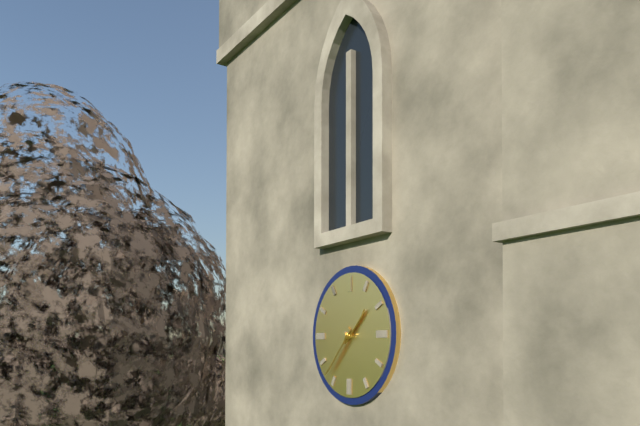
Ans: 1:37
